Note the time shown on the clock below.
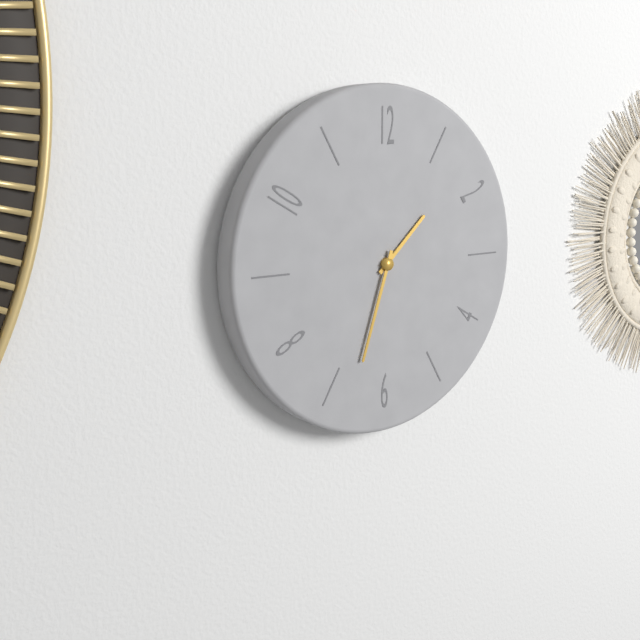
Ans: 1:33
